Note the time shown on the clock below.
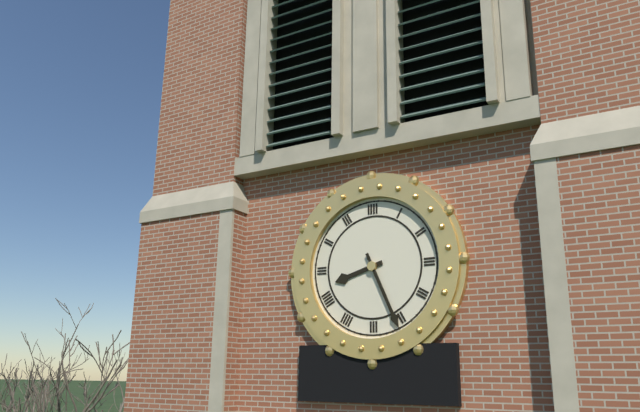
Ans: 8:26
